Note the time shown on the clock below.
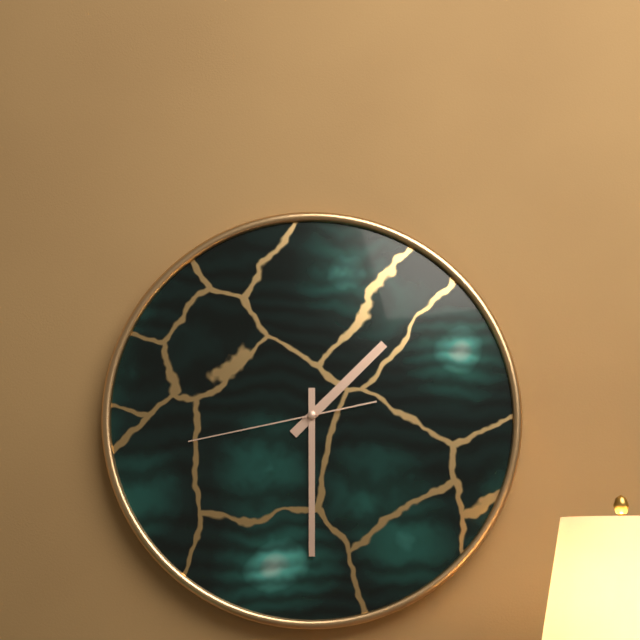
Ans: 1:30:43
